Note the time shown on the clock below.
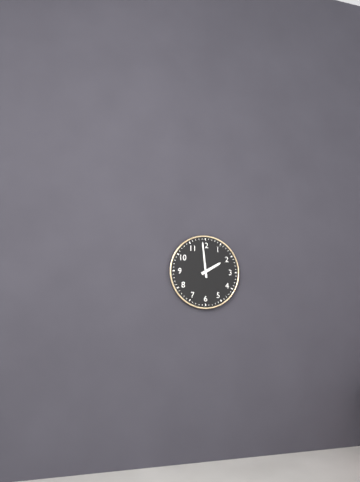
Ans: 1:59
